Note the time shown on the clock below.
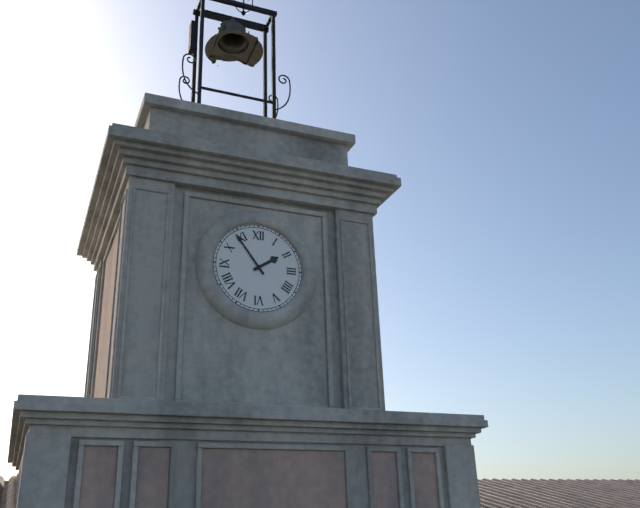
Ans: 1:54
